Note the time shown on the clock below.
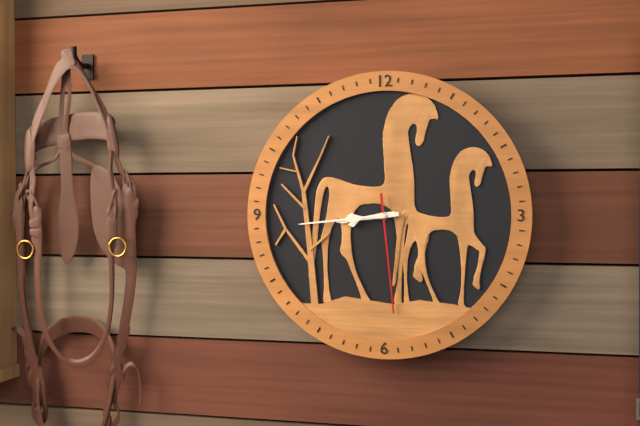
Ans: 8:44:29
